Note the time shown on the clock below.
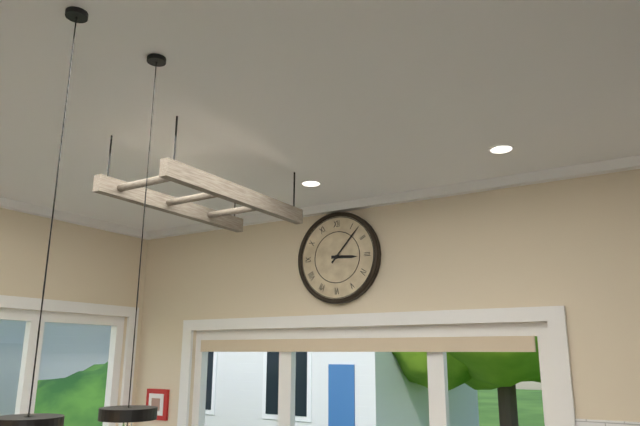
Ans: 3:07
